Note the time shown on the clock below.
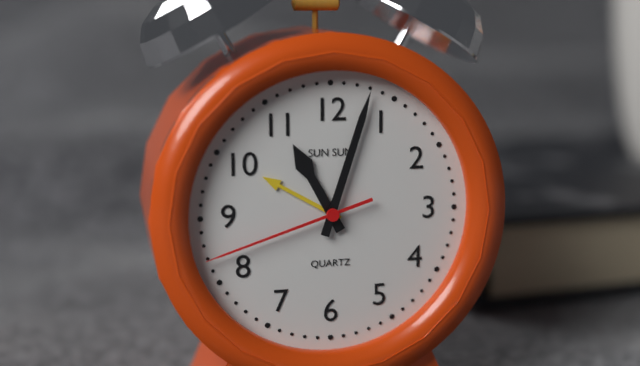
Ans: 11:03:42
